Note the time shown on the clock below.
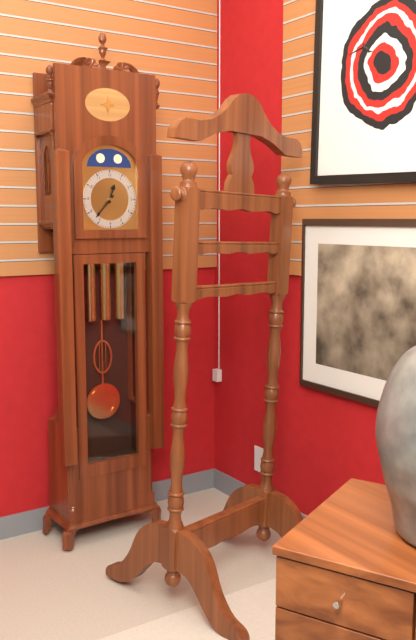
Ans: 12:37
